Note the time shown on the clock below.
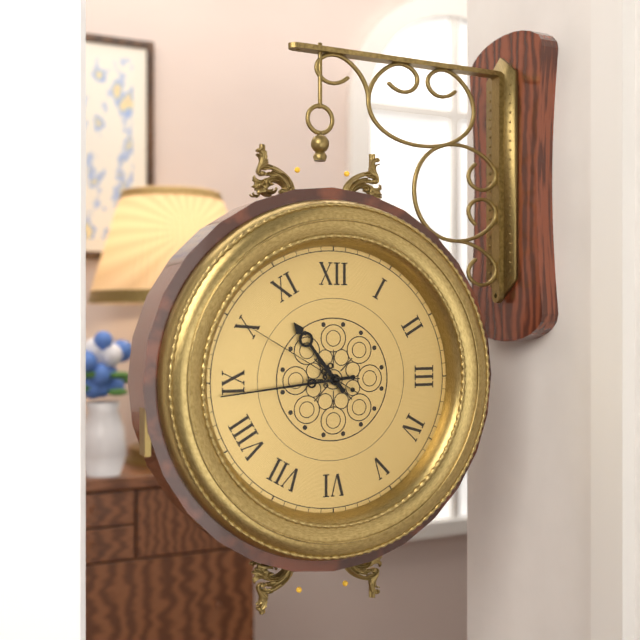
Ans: 10:44:50
